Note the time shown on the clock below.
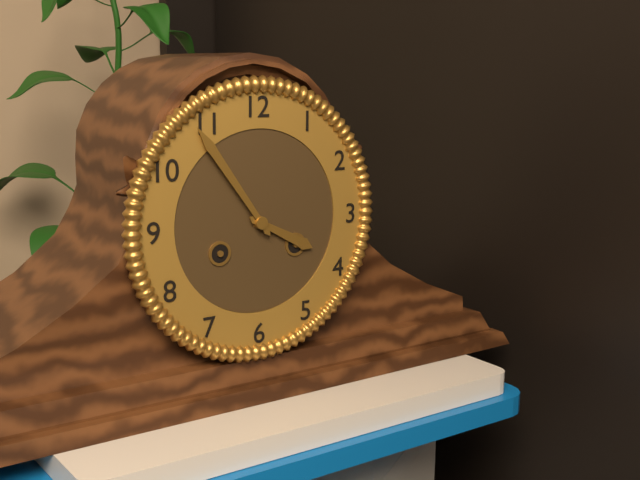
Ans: 3:54
